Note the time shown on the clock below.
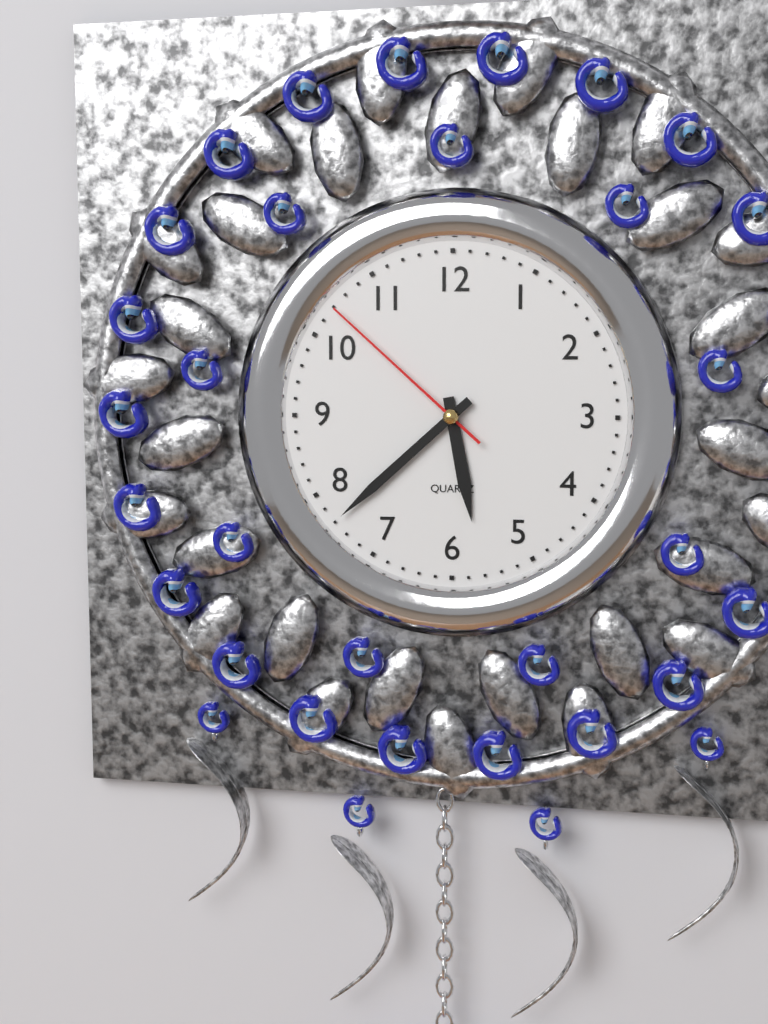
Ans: 5:38:52
